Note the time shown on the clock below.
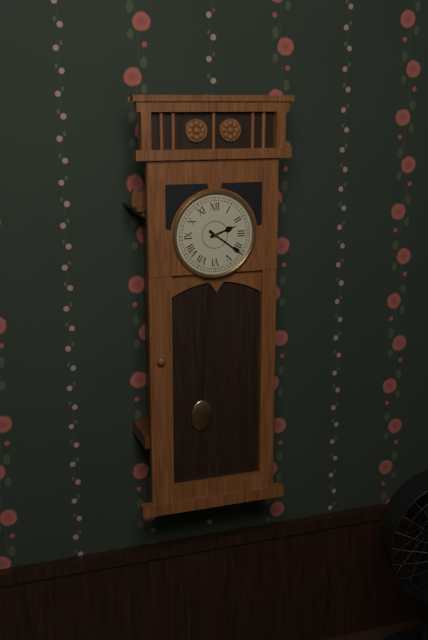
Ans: 2:21
